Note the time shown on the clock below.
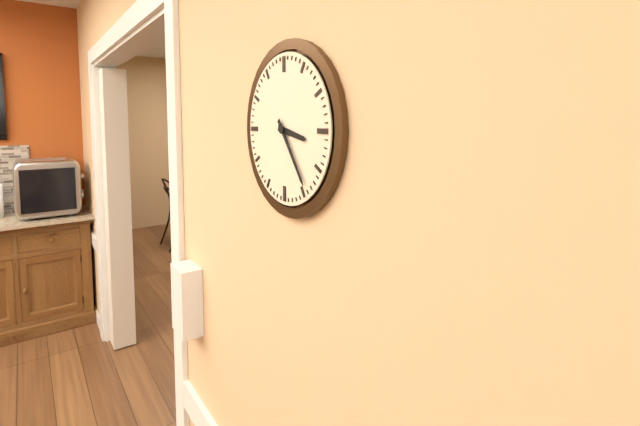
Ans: 3:24
